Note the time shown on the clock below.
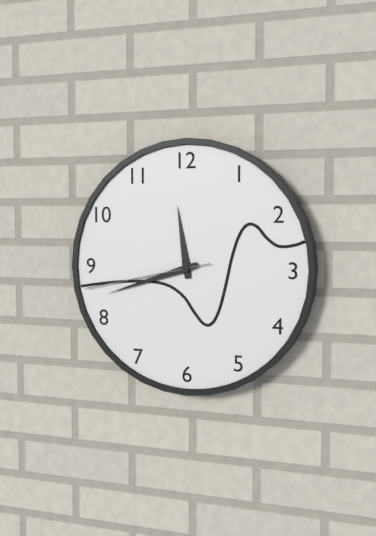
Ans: 11:42:43
